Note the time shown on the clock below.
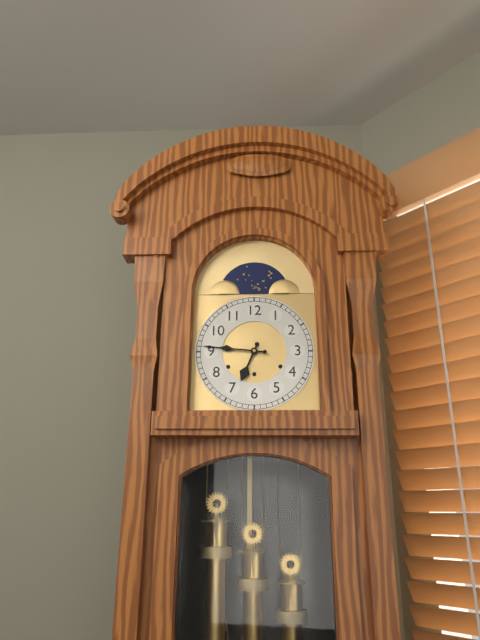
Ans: 6:46
